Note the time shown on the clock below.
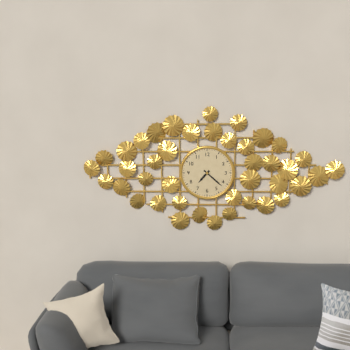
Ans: 7:22
